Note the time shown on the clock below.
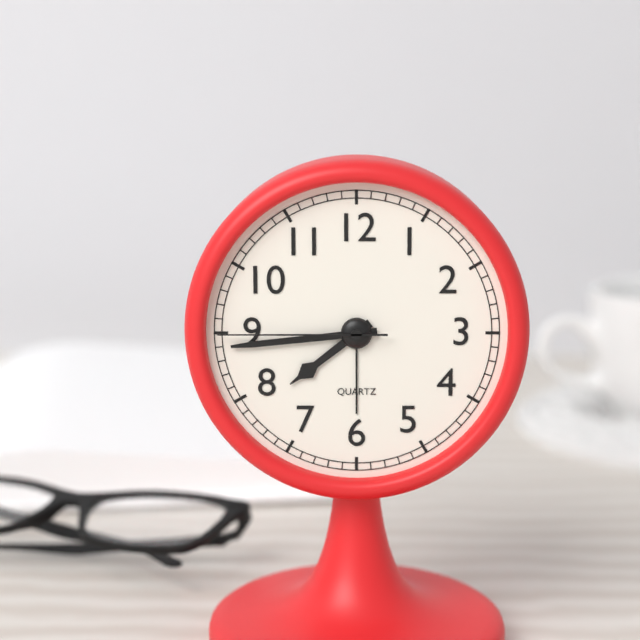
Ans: 7:44:45
